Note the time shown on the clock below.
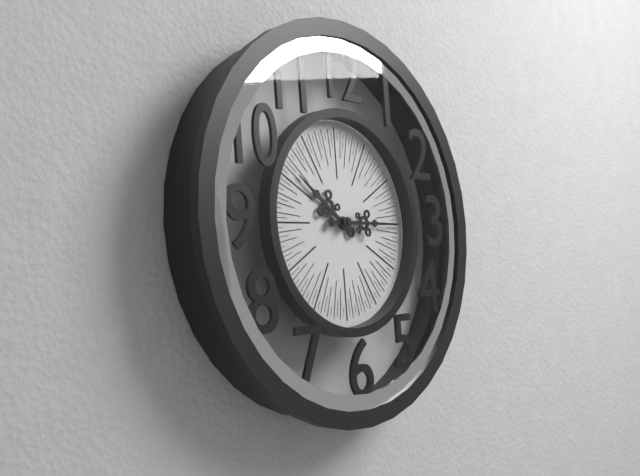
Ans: 10:15
